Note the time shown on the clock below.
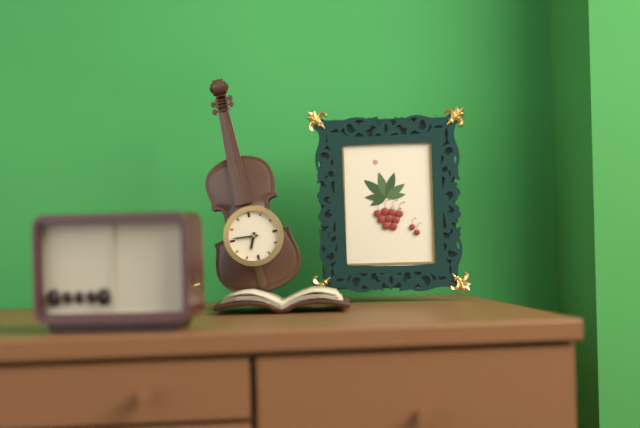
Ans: 6:46
